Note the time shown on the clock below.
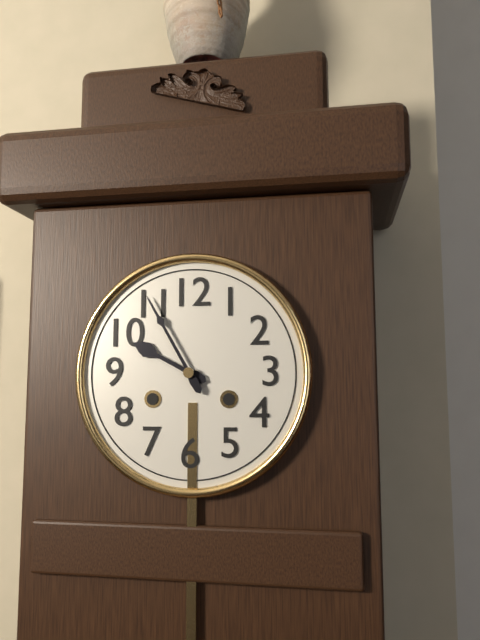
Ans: 9:55
